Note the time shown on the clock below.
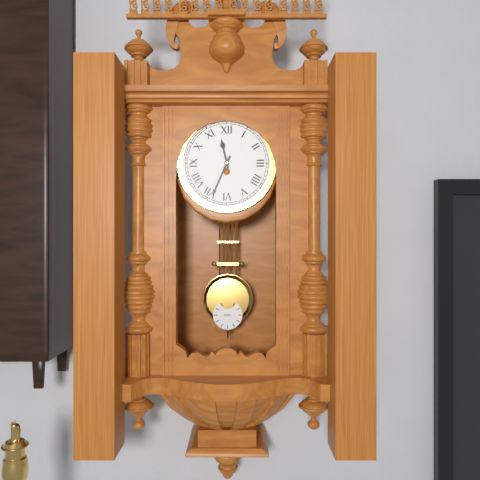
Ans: 11:34
